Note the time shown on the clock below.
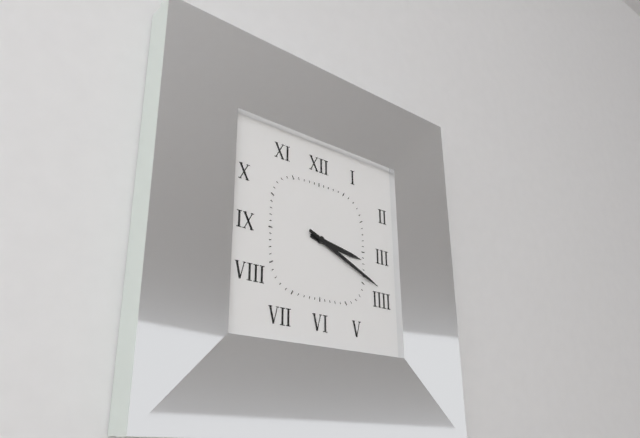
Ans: 3:19
